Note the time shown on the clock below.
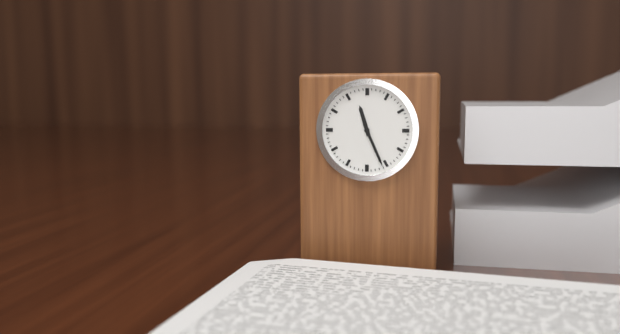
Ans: 11:26
